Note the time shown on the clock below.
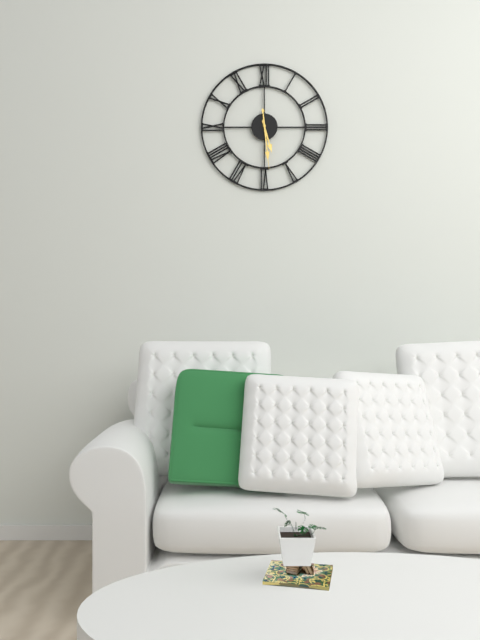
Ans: 5:29
